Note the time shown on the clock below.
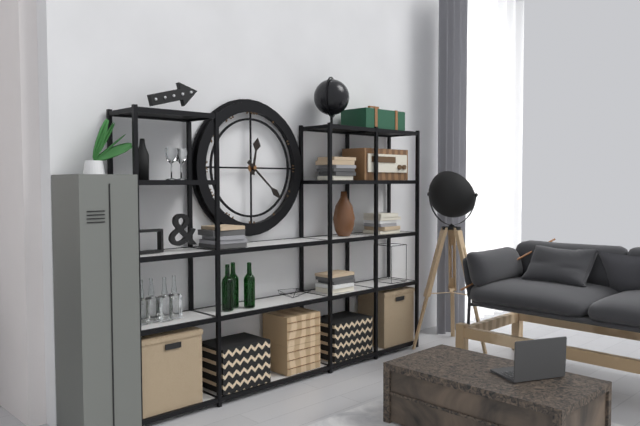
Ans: 12:22
